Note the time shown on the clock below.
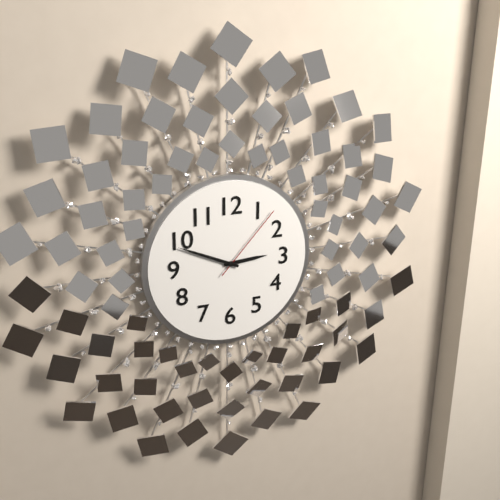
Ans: 2:49:07
